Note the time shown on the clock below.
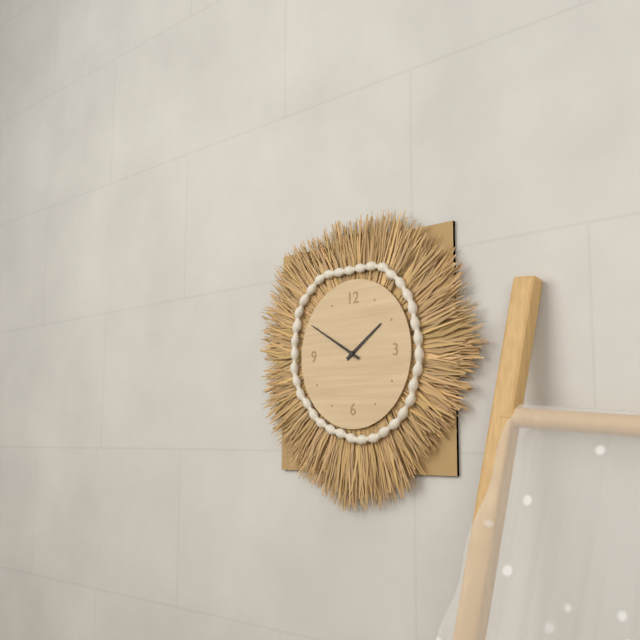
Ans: 1:50
